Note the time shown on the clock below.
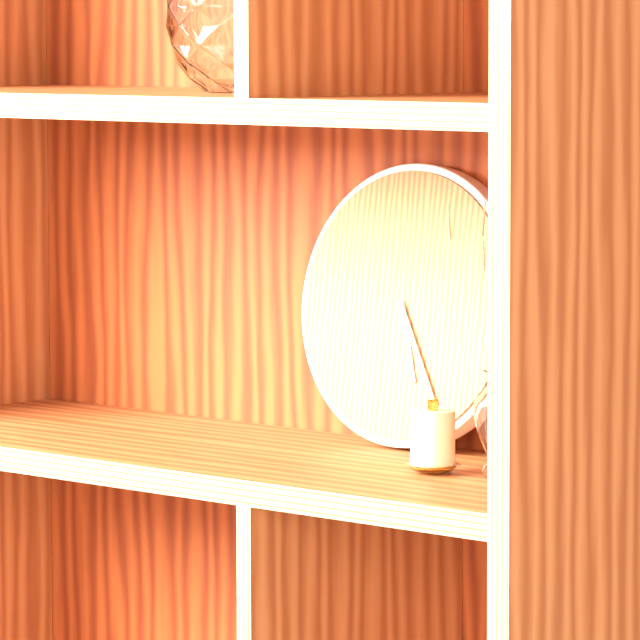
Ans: 5:25
